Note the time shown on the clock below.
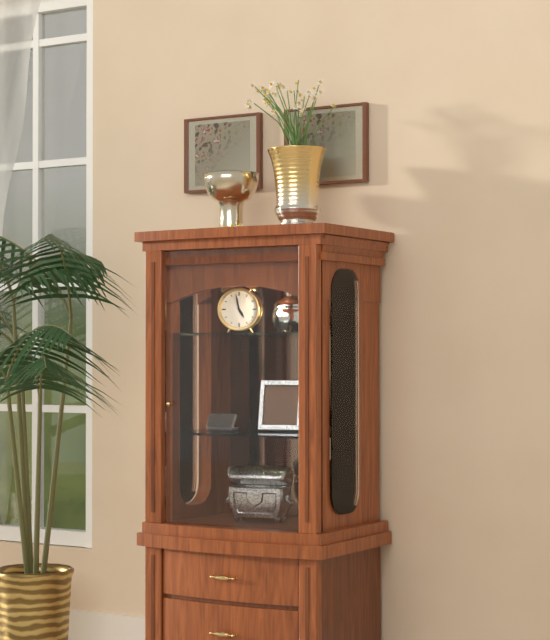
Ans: 4:58
